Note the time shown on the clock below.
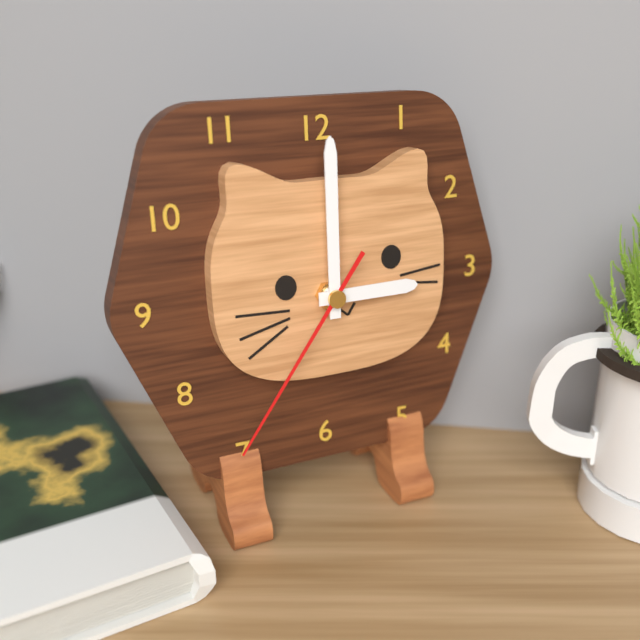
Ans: 3:00:36
